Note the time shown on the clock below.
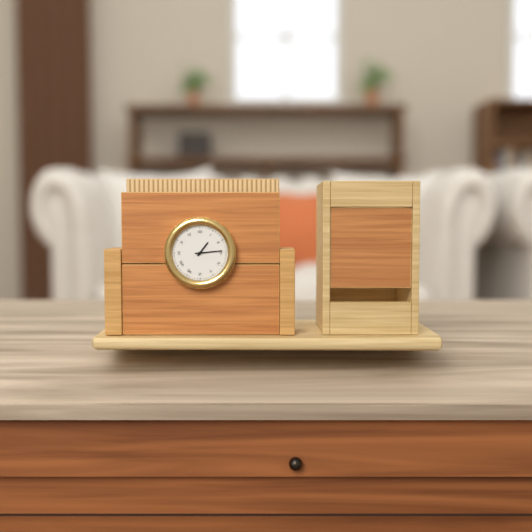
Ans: 1:14
